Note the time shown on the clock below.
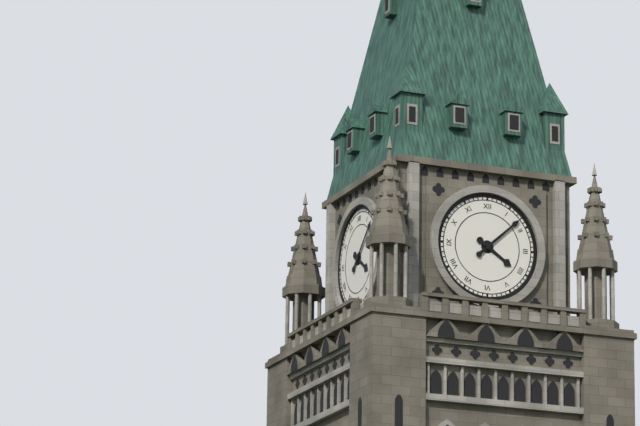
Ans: 4:08
